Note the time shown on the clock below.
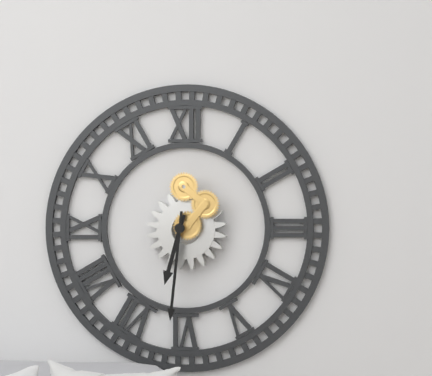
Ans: 6:31
